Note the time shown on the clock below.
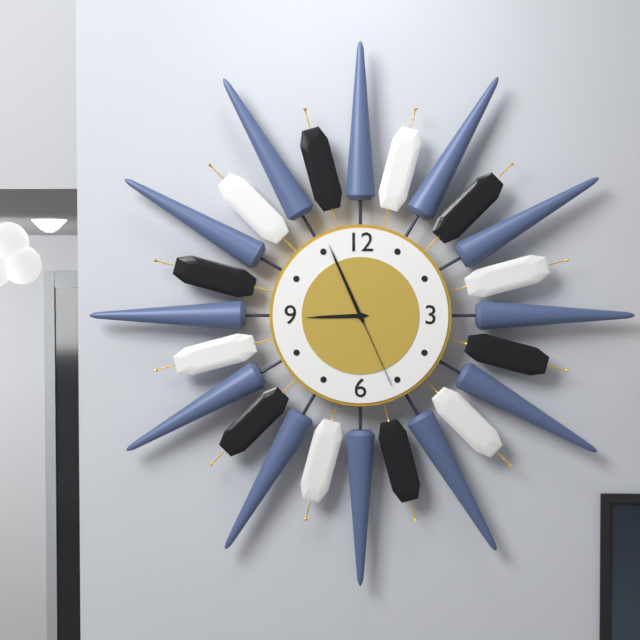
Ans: 8:56:26
